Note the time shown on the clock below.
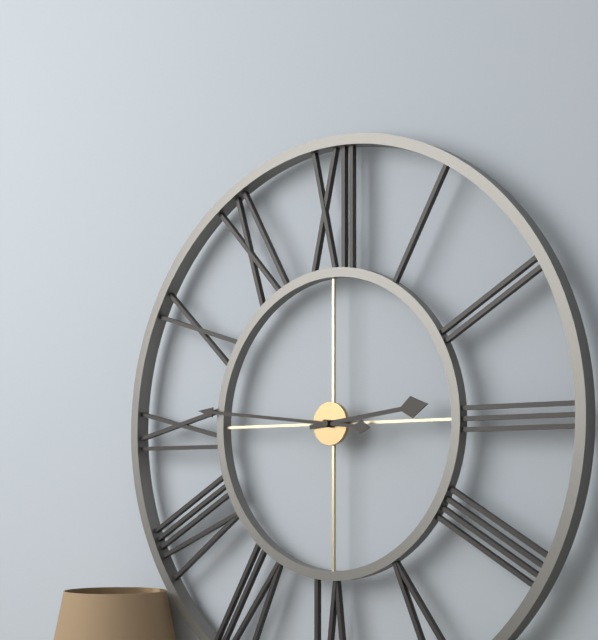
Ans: 2:46
